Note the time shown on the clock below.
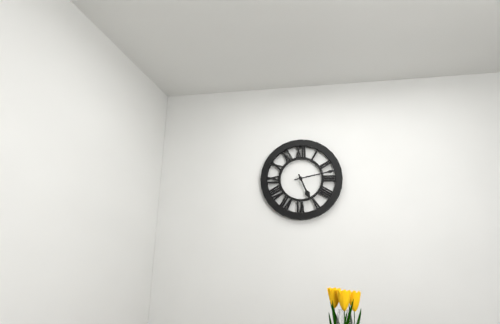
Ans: 5:13
